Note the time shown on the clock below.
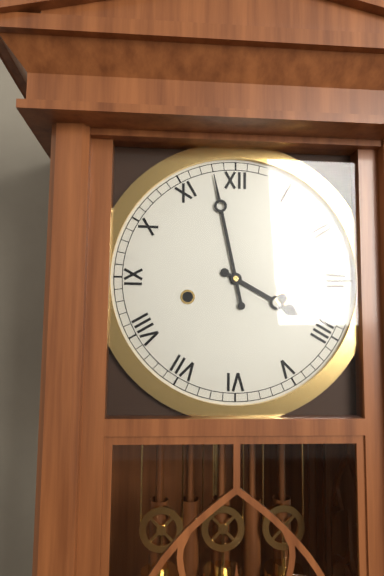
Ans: 3:58
